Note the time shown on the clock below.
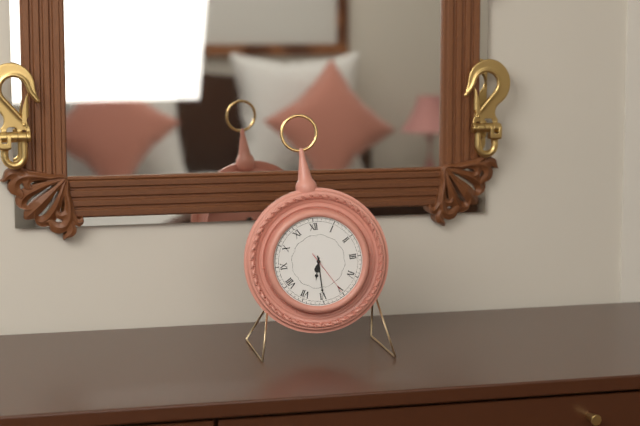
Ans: 6:30:25
